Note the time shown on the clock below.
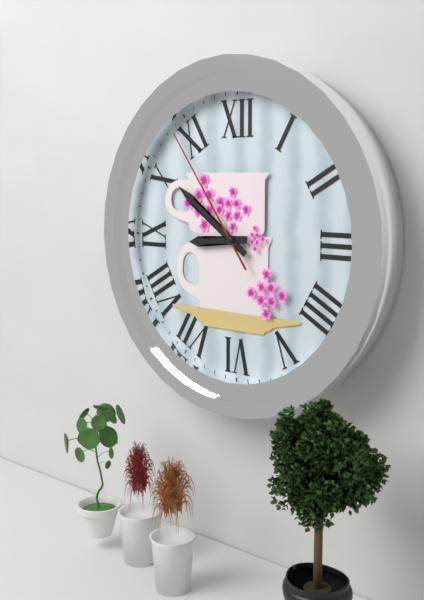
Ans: 8:51:54
